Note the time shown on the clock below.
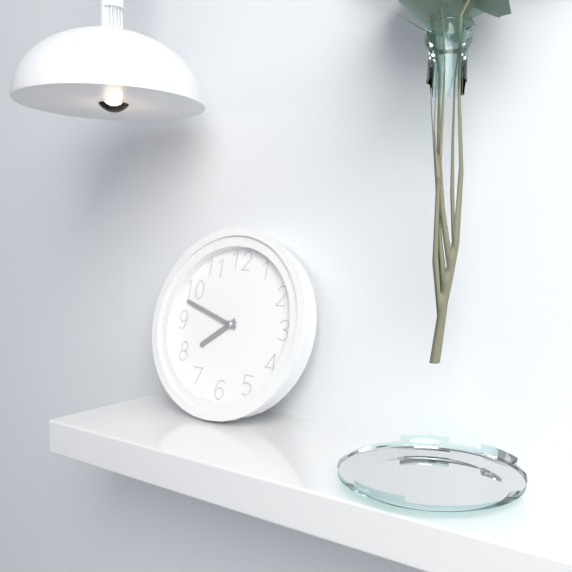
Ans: 7:48
